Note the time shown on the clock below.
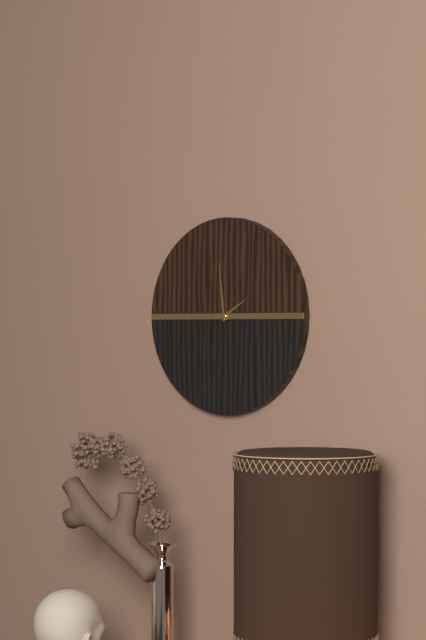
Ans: 1:59
